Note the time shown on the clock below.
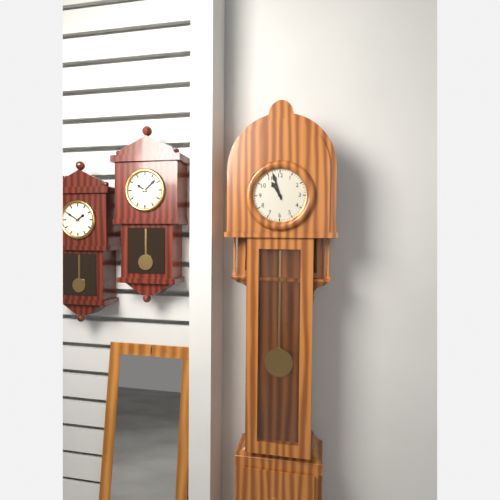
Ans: 10:57
